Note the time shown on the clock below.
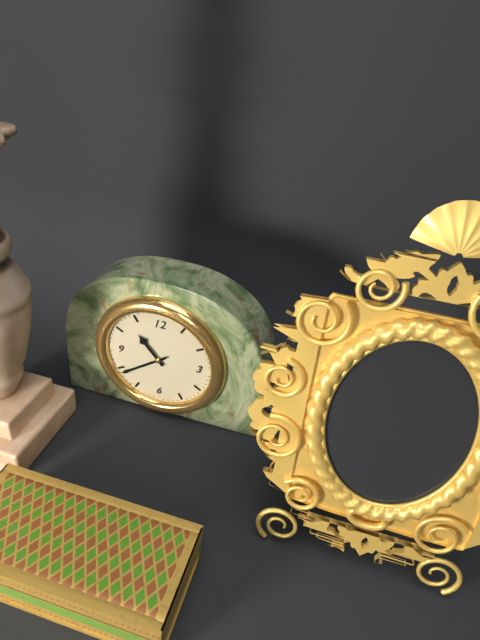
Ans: 10:39
